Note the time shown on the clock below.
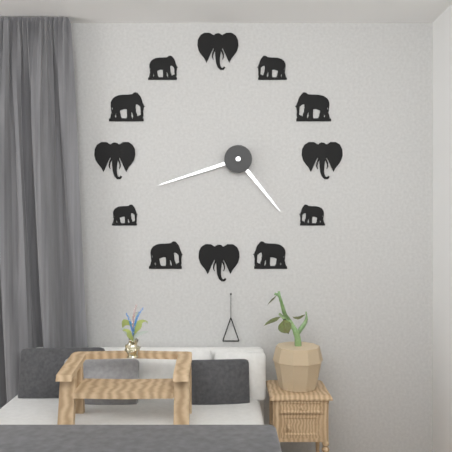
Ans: 4:42
